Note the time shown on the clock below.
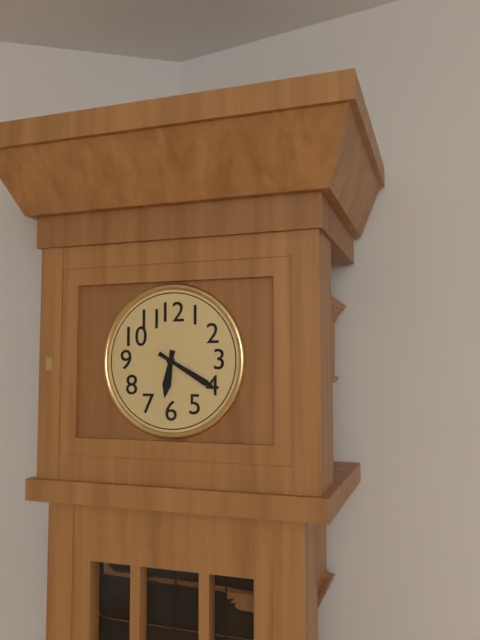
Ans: 6:20
